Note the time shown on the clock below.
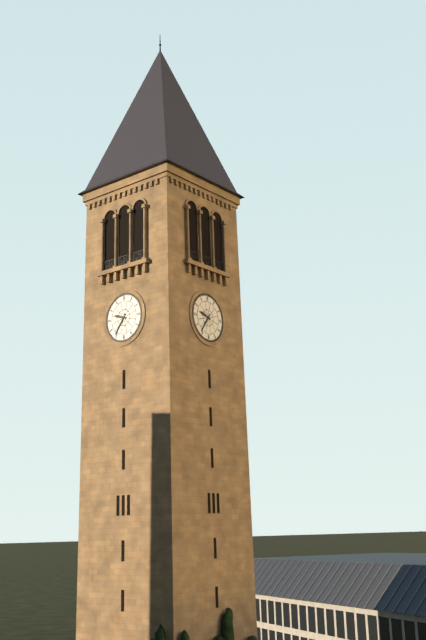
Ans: 9:36
